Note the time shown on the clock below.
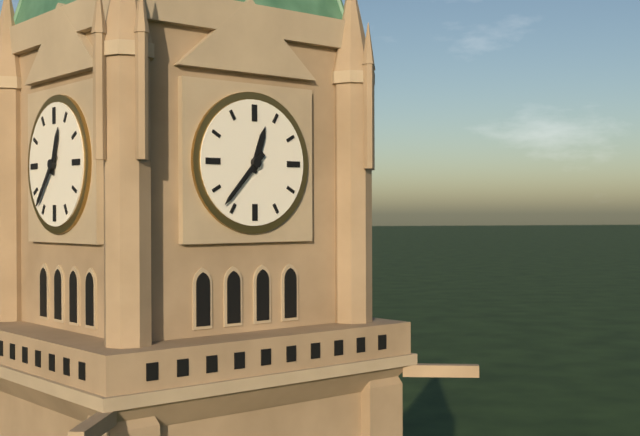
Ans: 12:37
